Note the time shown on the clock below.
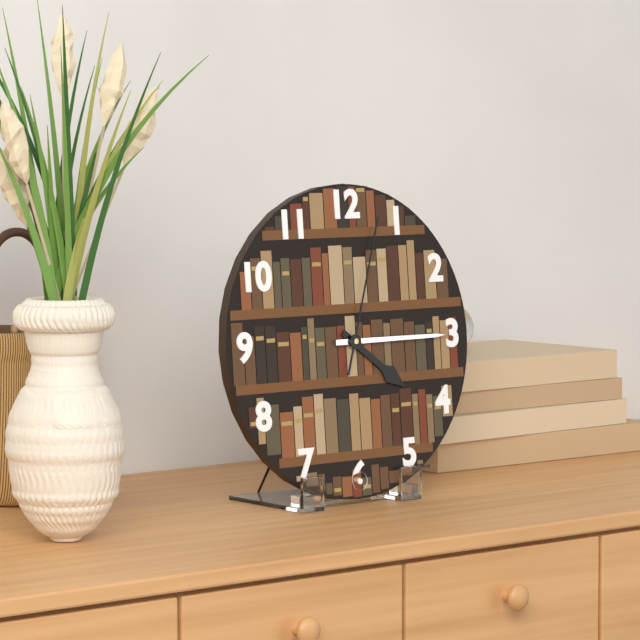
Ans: 4:15:03
